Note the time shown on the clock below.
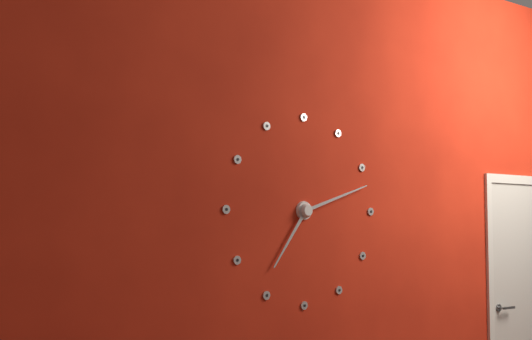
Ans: 7:12
